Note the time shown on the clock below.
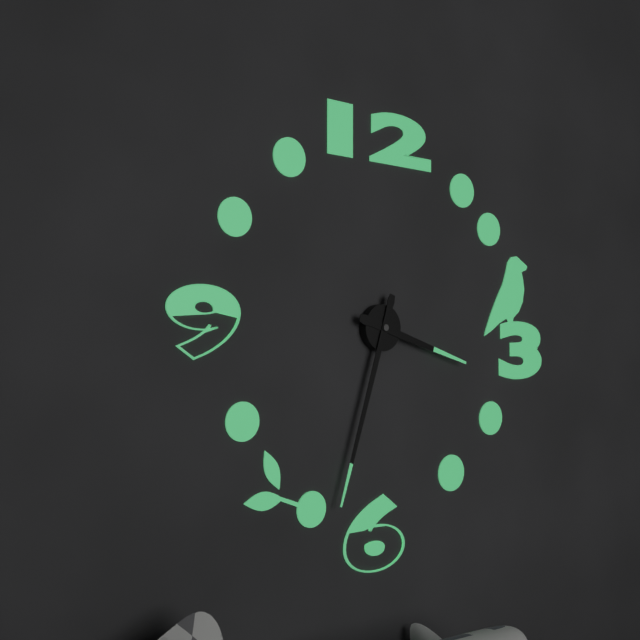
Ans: 3:33
